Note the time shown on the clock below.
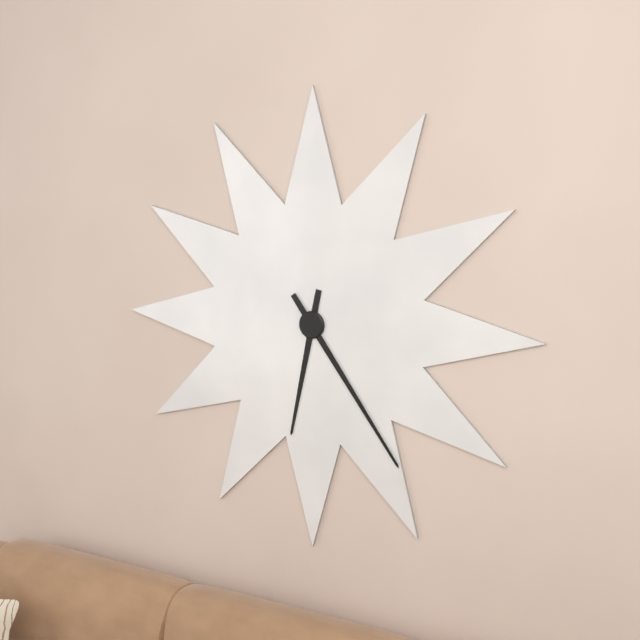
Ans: 6:24
